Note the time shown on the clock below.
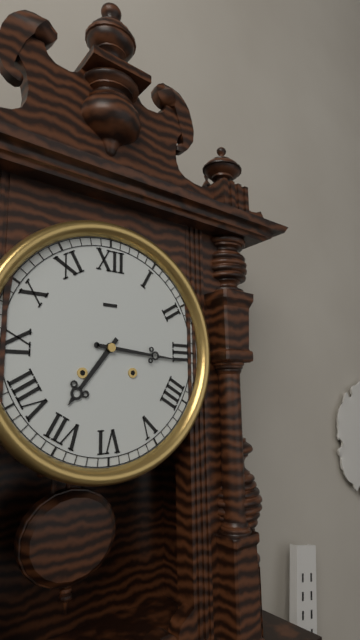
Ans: 7:16
